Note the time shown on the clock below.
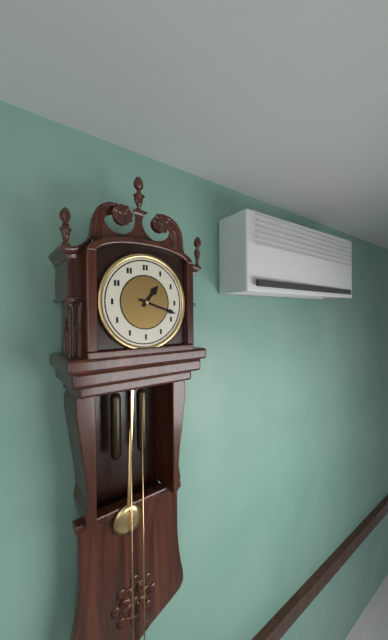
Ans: 1:18
